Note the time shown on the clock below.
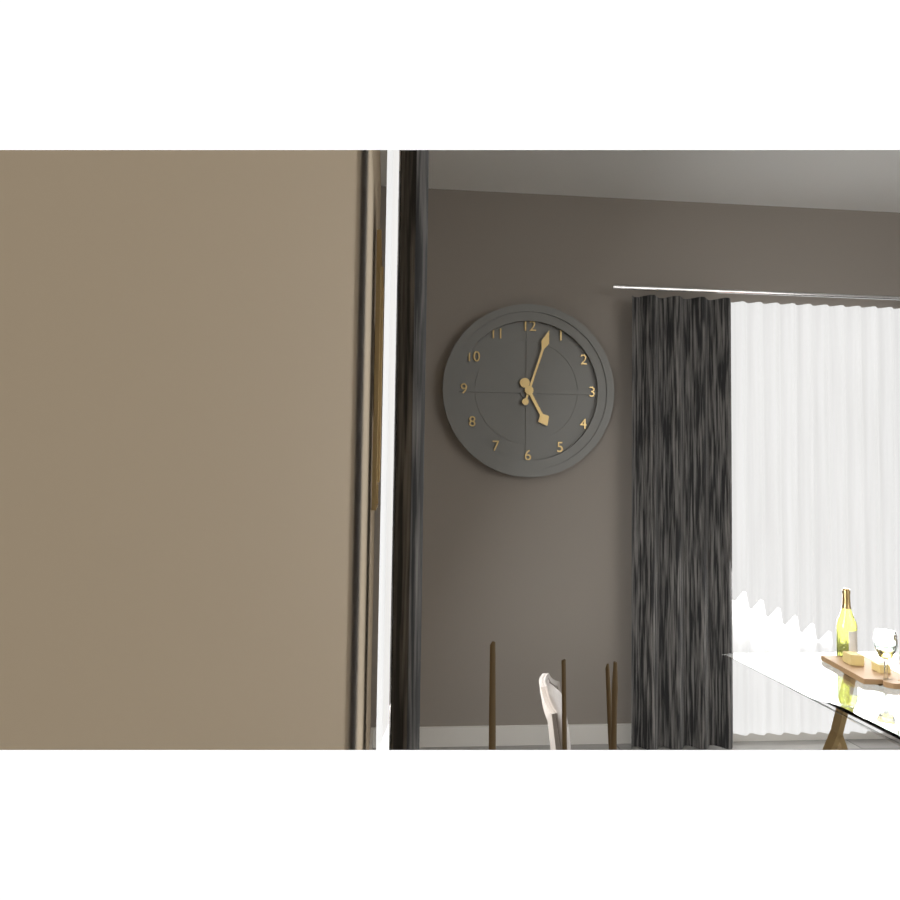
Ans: 5:03
